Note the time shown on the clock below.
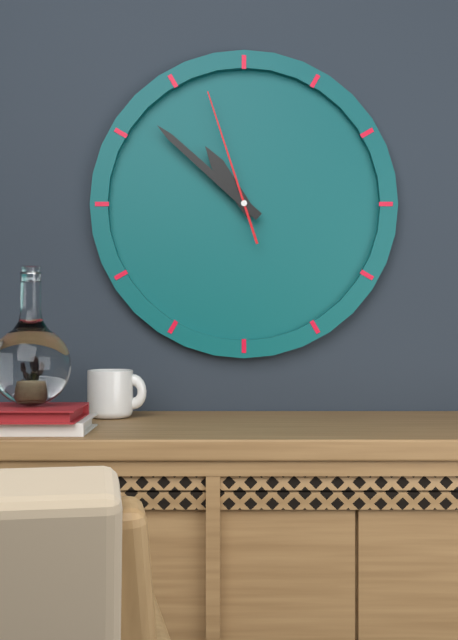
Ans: 10:52:57
